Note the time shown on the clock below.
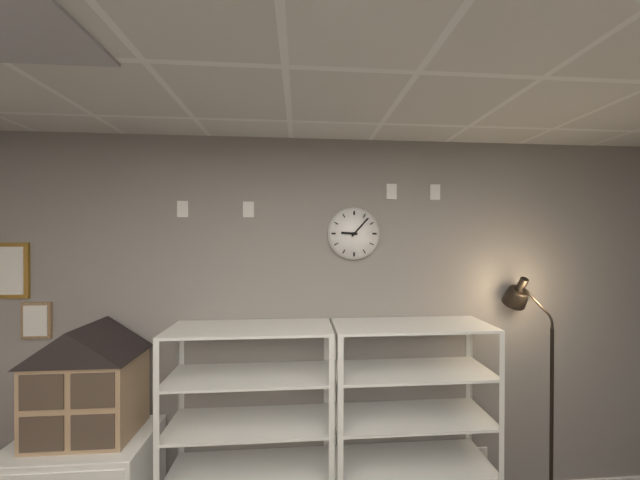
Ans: 9:07
